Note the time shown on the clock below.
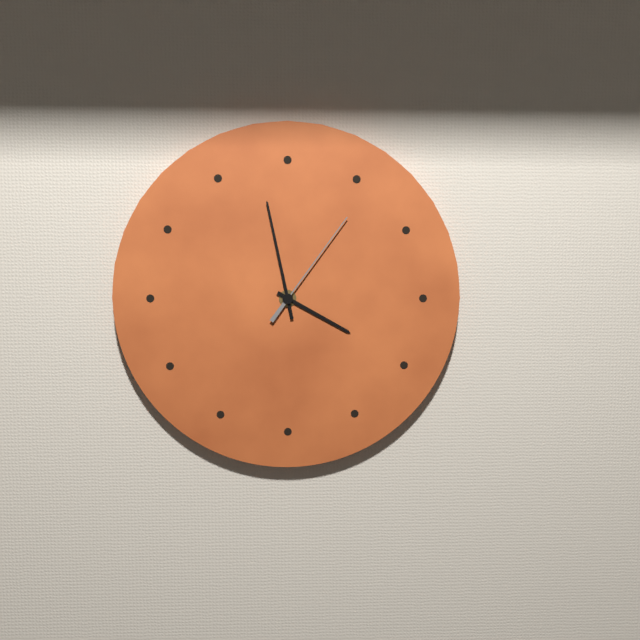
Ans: 3:58:06
